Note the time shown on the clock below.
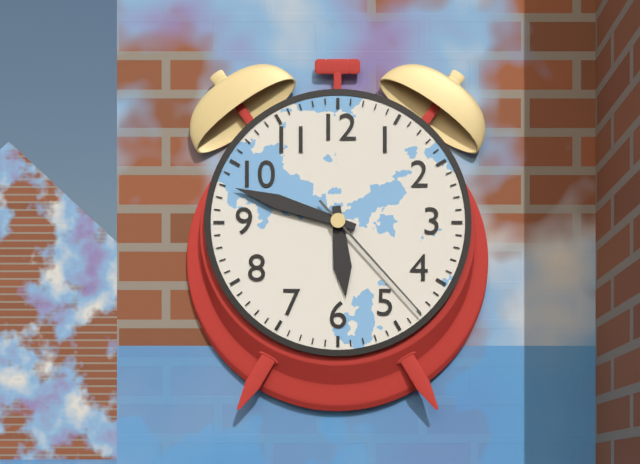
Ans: 5:48:23
